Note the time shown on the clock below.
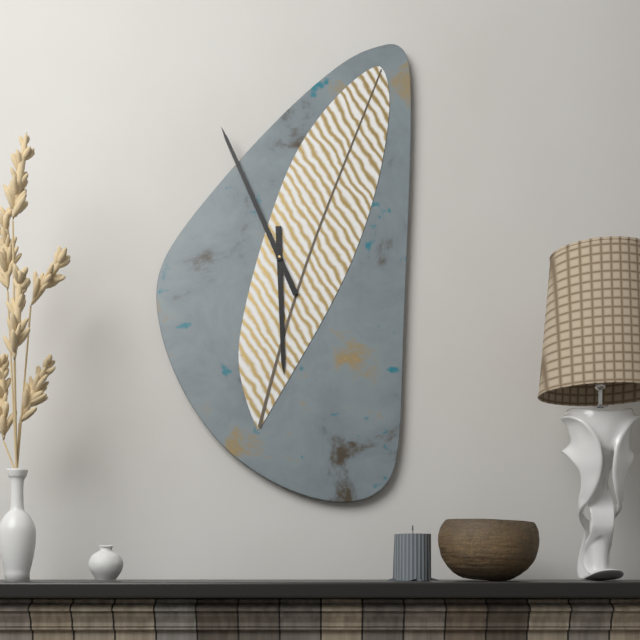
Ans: 5:56
